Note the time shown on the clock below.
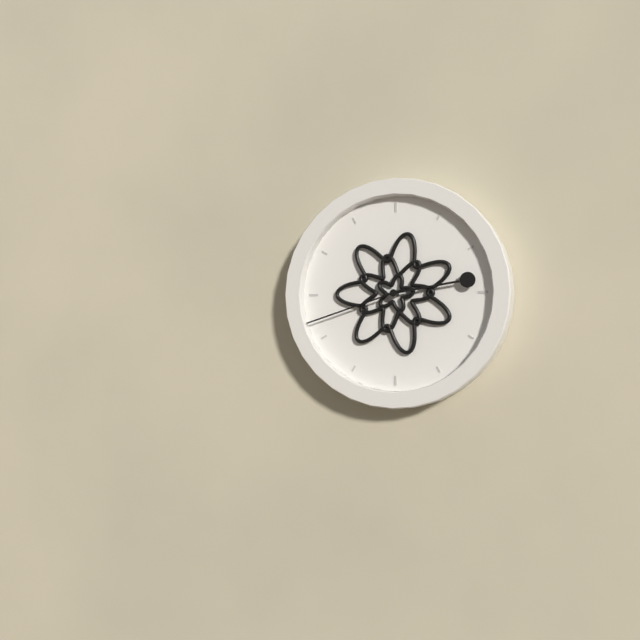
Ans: 2:42
